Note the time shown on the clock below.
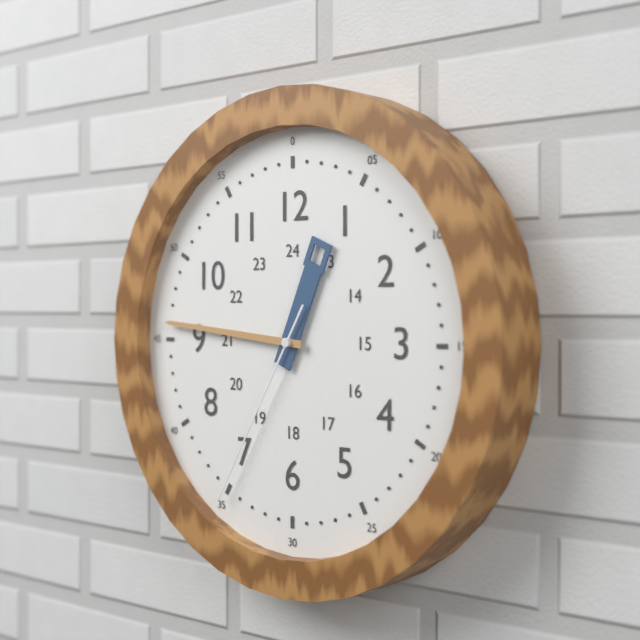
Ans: 12:46:35
